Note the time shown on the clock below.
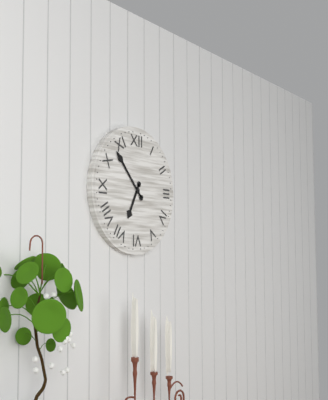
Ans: 6:53
